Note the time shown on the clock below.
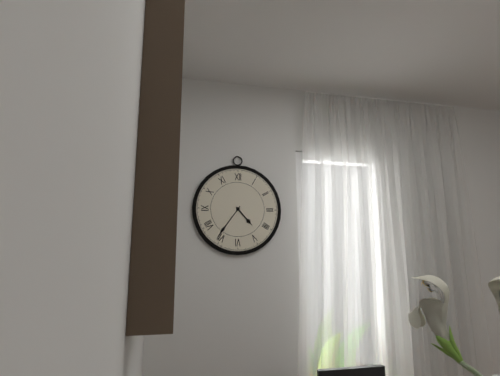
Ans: 4:36
